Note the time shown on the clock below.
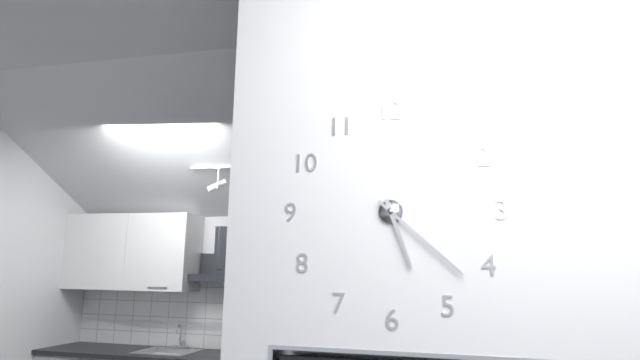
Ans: 5:22
